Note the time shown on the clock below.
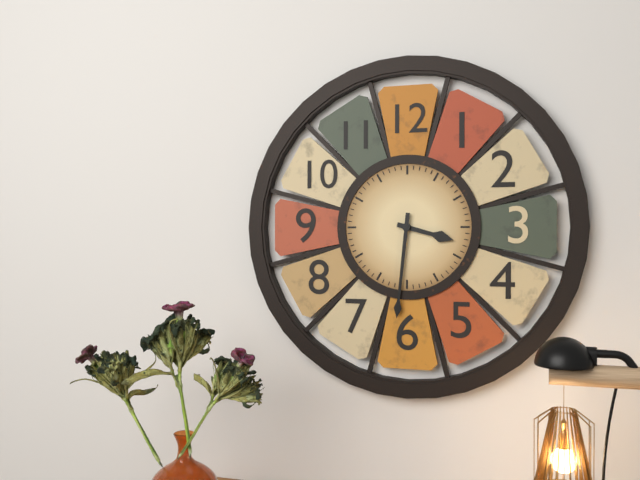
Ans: 3:31
